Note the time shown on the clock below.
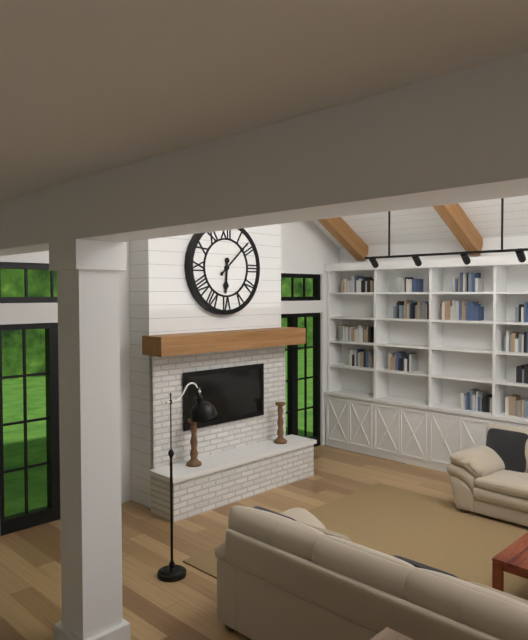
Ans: 6:08
